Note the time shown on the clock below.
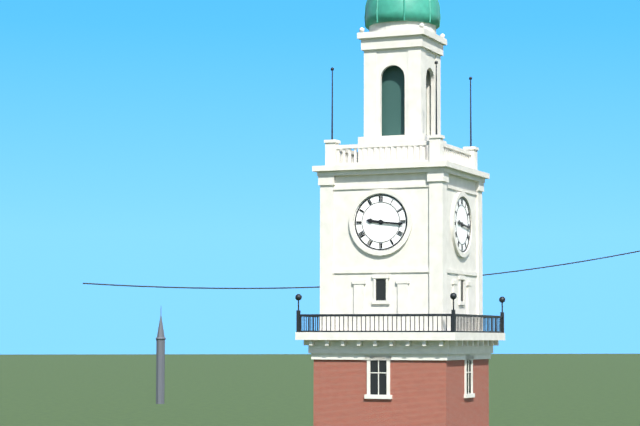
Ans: 9:16
